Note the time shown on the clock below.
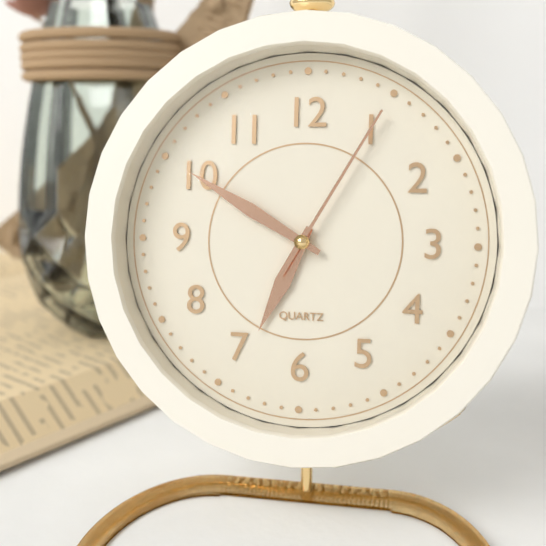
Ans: 6:50:05
